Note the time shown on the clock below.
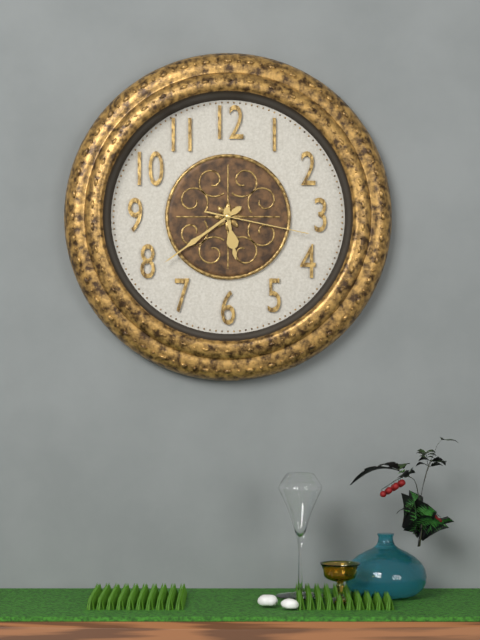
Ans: 5:39:17
